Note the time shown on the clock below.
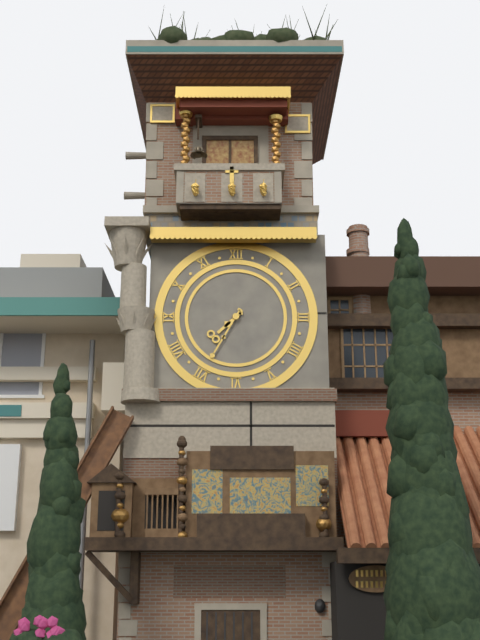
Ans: 7:35
